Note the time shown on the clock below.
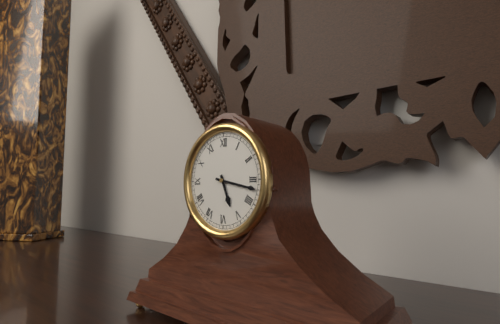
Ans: 5:17
